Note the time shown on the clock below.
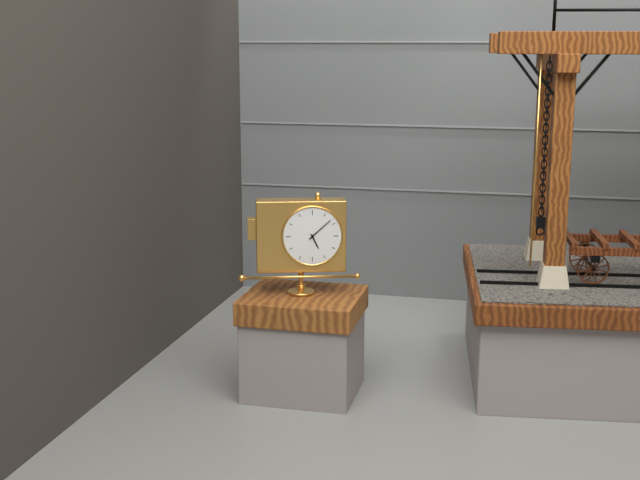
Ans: 5:08
